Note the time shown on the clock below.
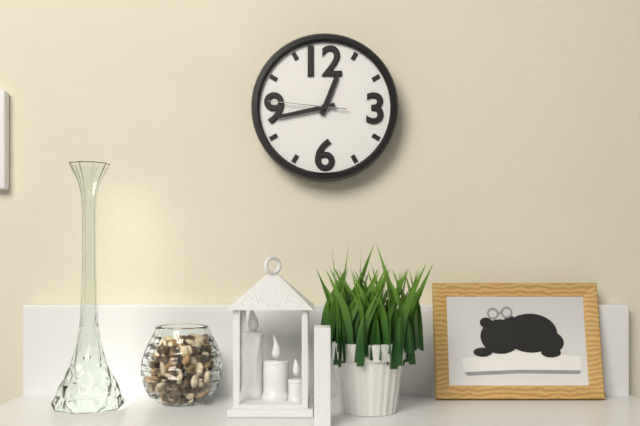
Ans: 12:43:46
